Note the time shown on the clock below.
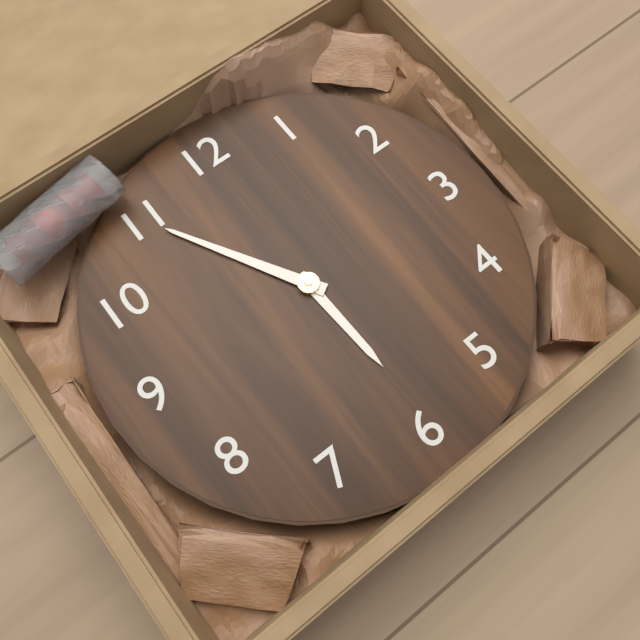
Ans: 5:55
